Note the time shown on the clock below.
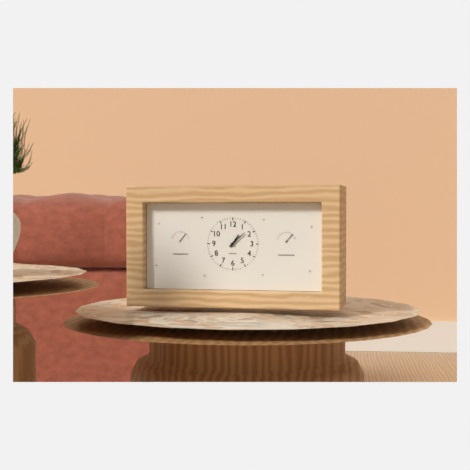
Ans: 1:08
